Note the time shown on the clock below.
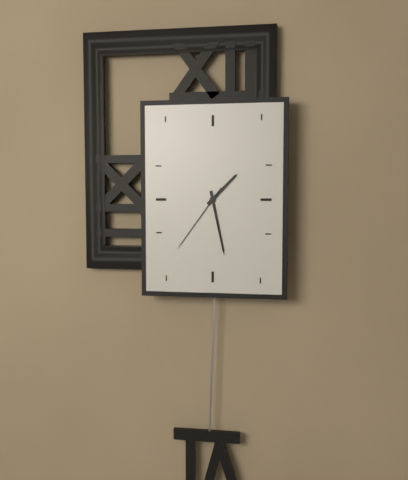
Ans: 1:28:36
